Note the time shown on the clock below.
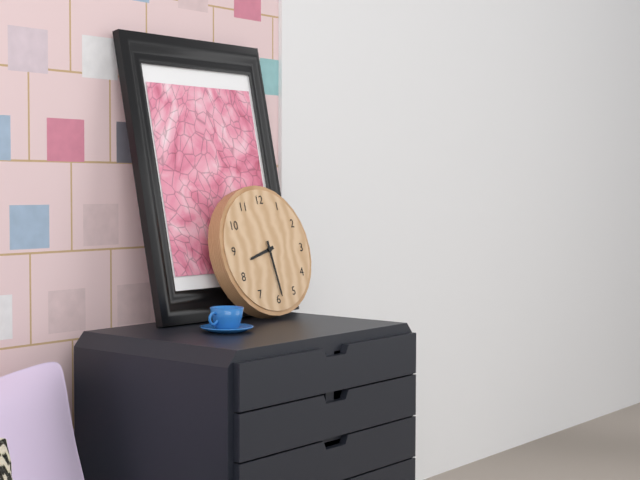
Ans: 8:29
